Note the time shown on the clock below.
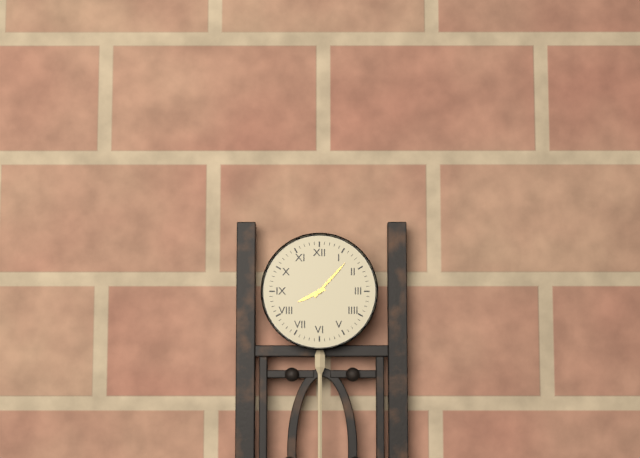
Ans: 8:07
